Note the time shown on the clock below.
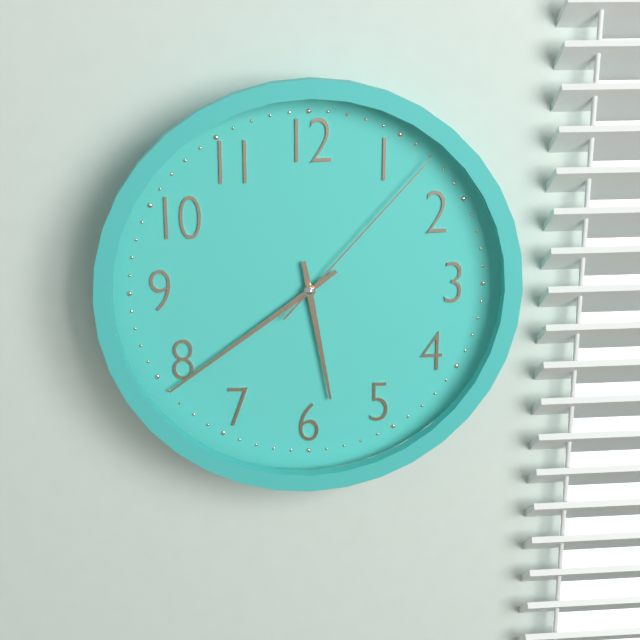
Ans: 5:39:07
